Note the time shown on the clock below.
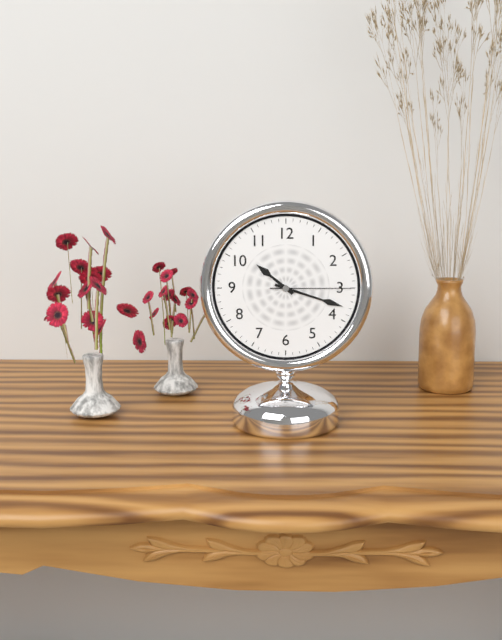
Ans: 10:18:15
